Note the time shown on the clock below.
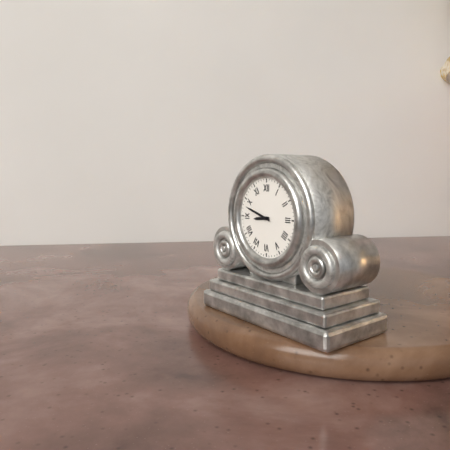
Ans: 8:48
